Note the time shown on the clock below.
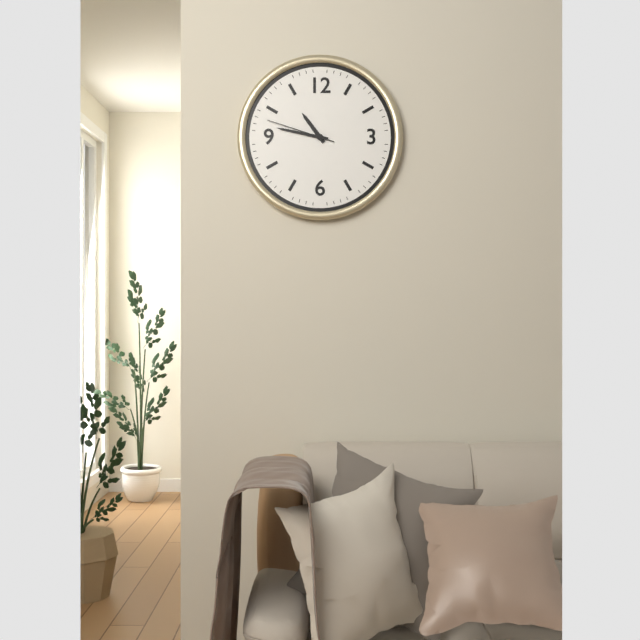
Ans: 10:47:48
